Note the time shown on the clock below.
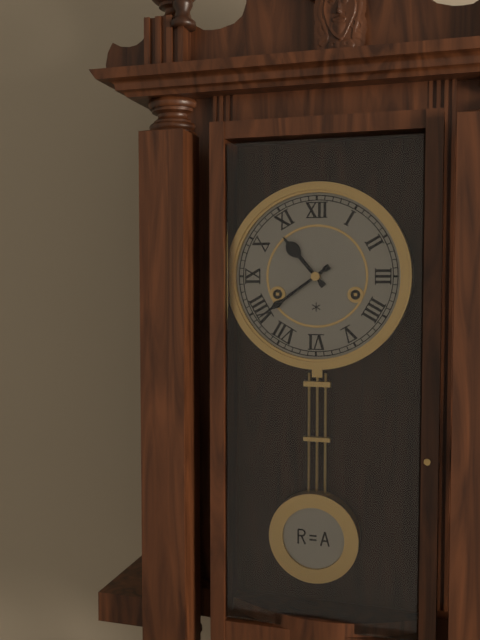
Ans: 10:39
